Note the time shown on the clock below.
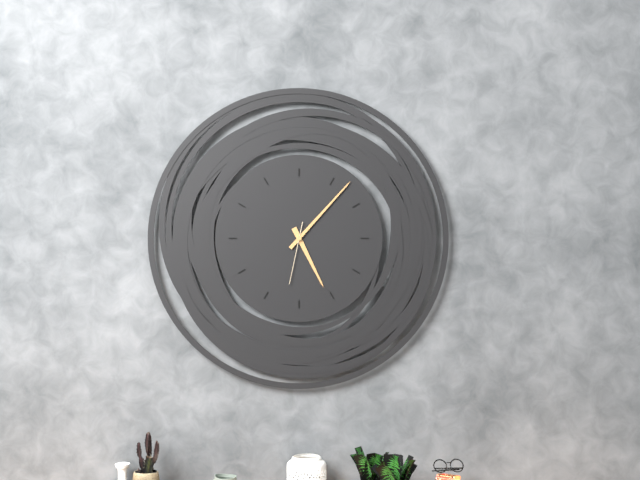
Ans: 5:07:32
